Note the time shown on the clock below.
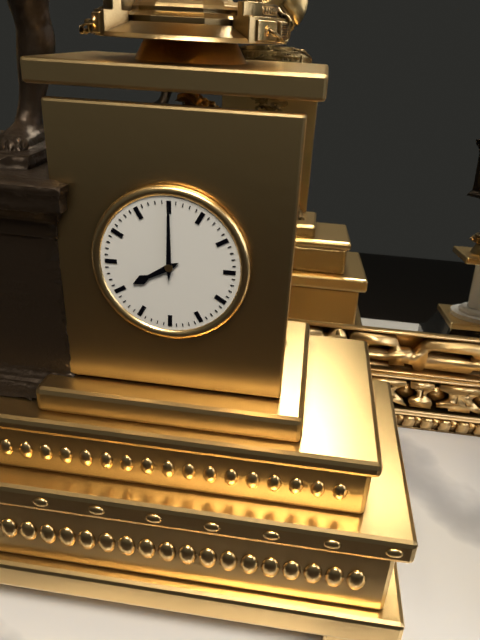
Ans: 8:00
